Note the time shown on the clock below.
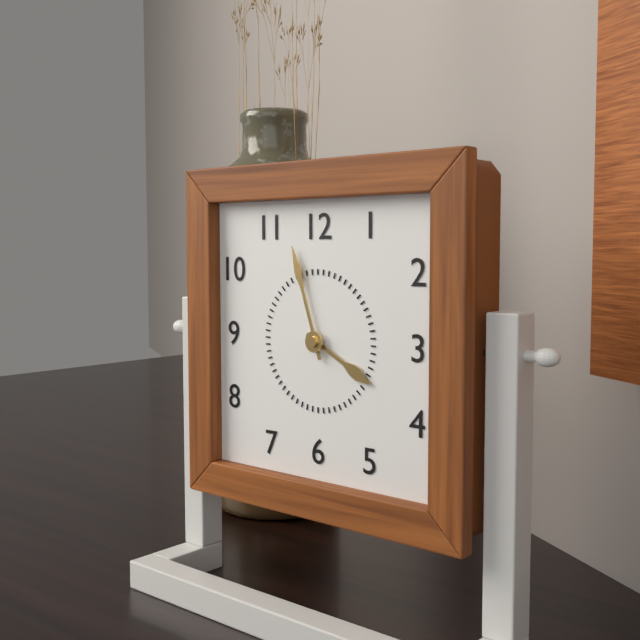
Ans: 3:57
